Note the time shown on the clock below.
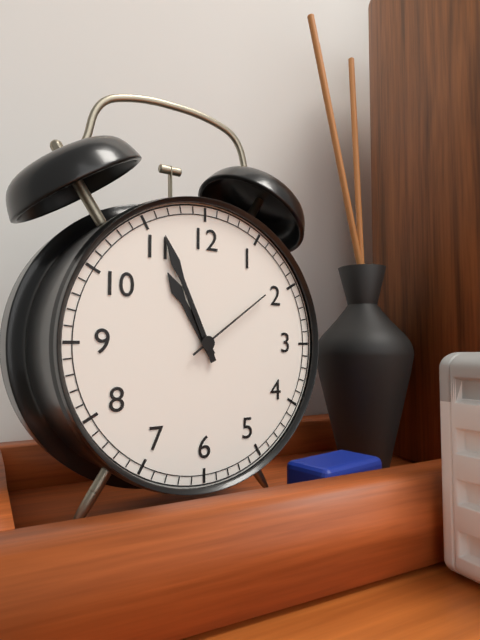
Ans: 10:56:09
